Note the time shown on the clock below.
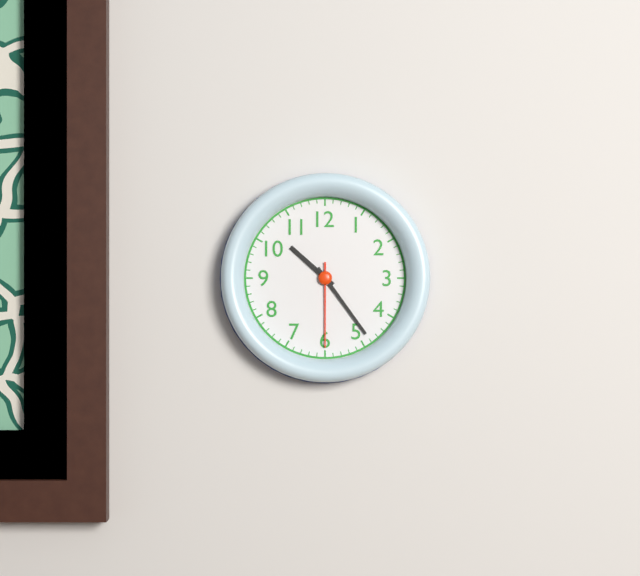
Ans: 10:24:30
